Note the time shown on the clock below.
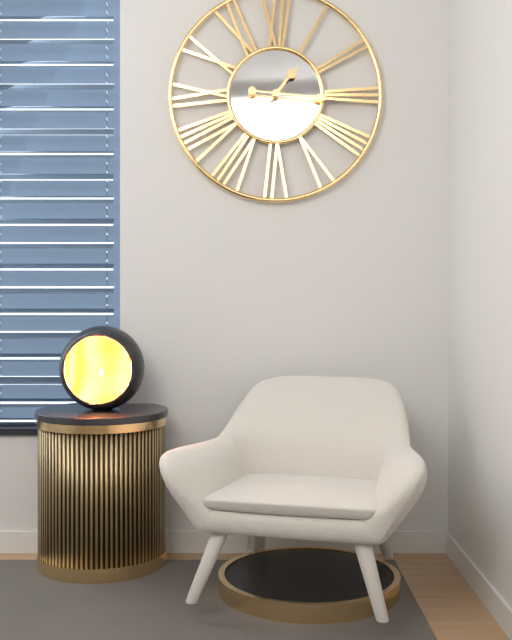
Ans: 1:16
